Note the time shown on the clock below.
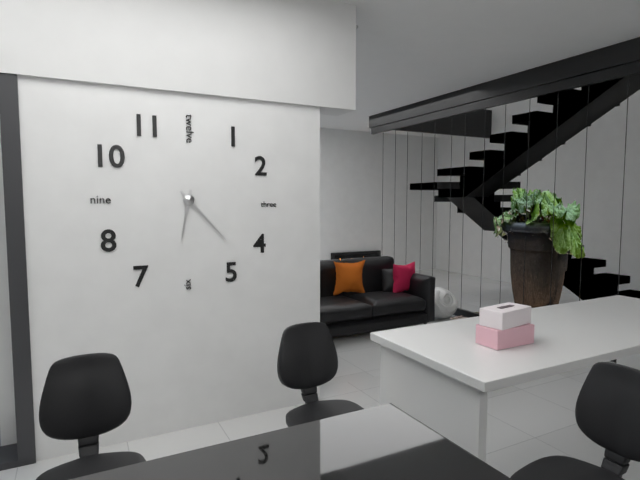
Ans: 6:23
